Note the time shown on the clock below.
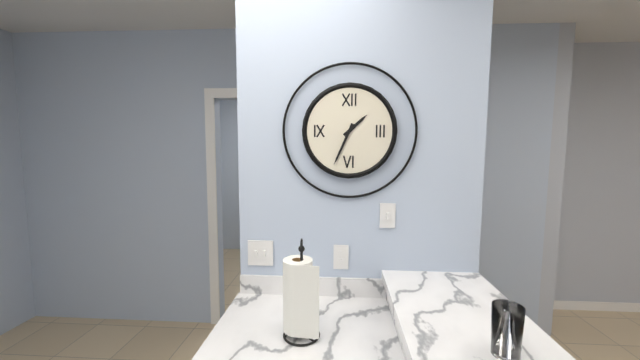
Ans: 1:34
